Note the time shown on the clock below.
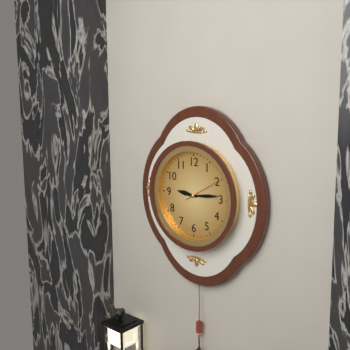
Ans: 9:14
